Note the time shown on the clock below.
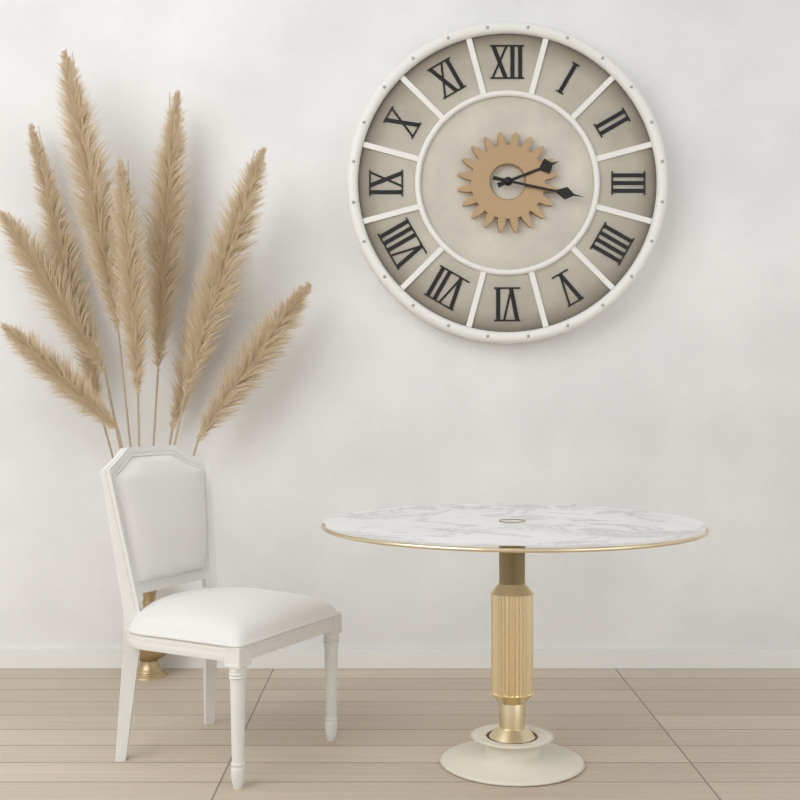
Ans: 2:17
